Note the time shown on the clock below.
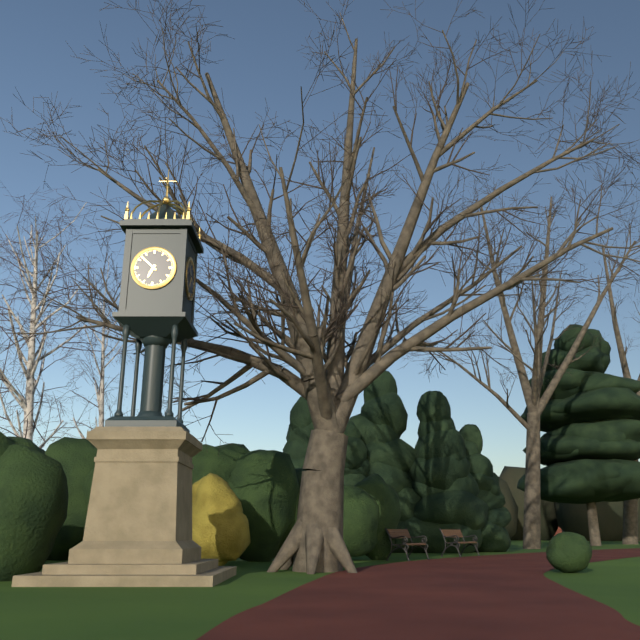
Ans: 6:52
